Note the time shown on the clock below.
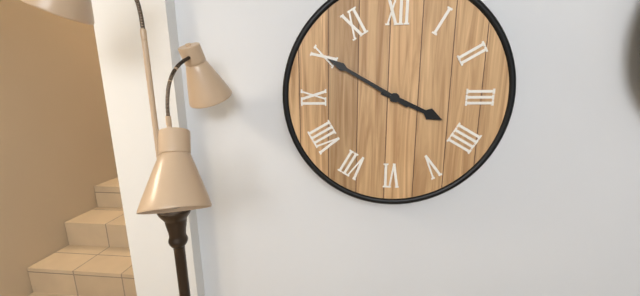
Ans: 3:50
